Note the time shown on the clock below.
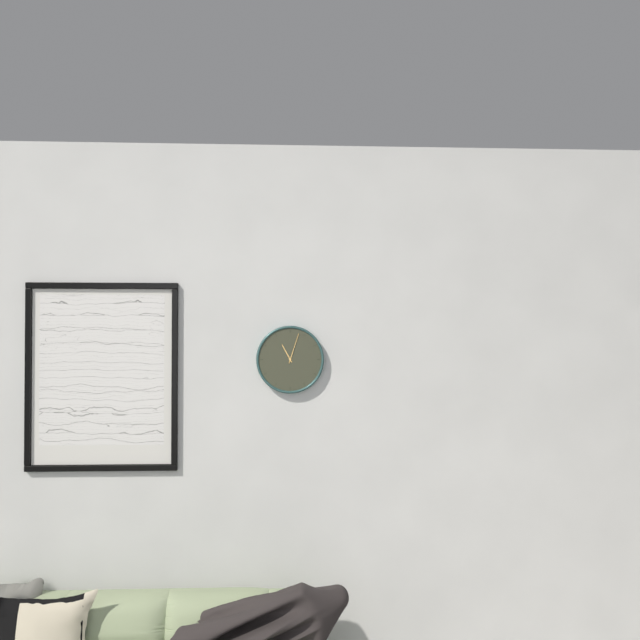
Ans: 11:03
